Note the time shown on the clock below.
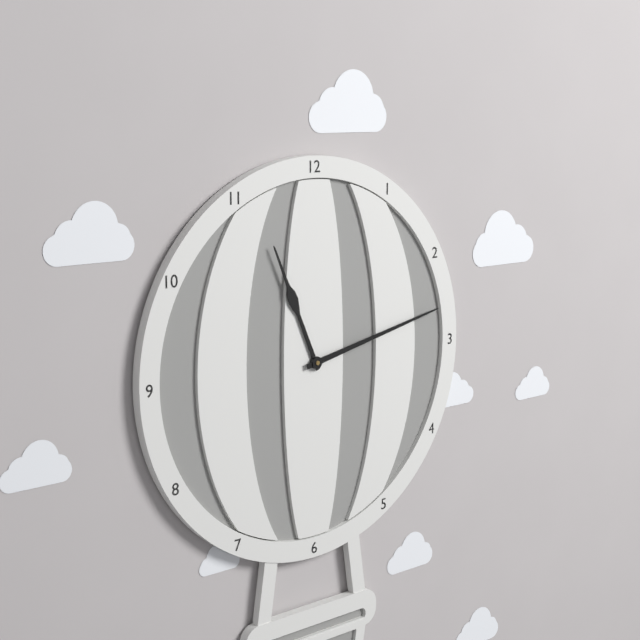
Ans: 11:13
